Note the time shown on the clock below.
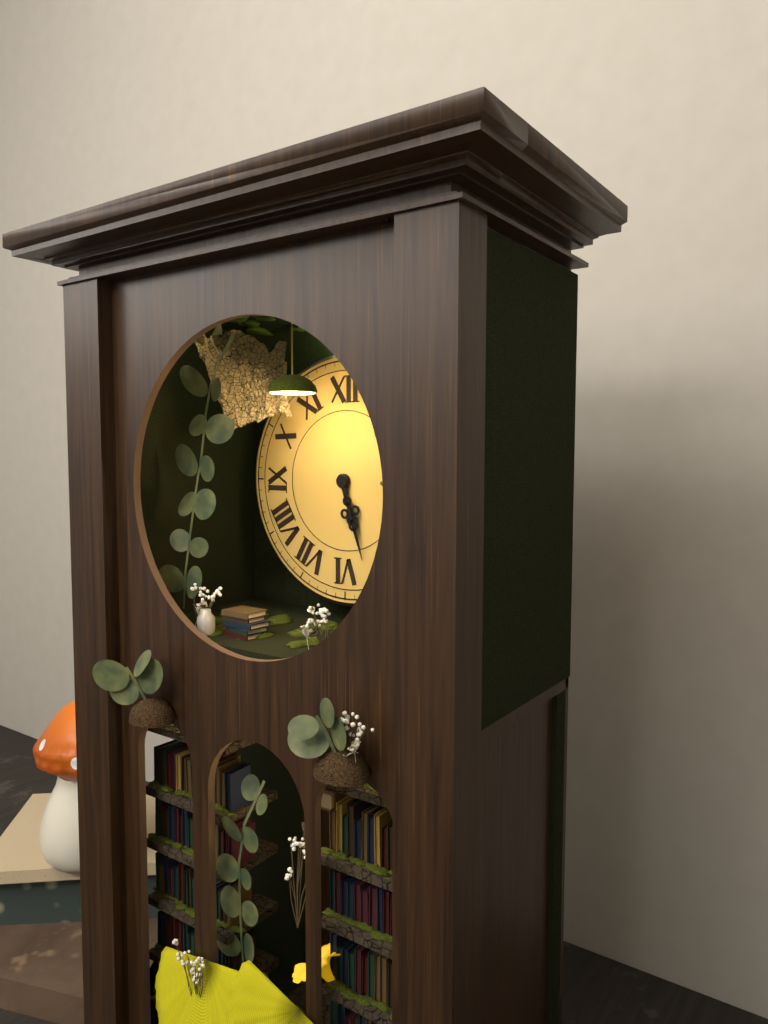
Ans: 5:27
